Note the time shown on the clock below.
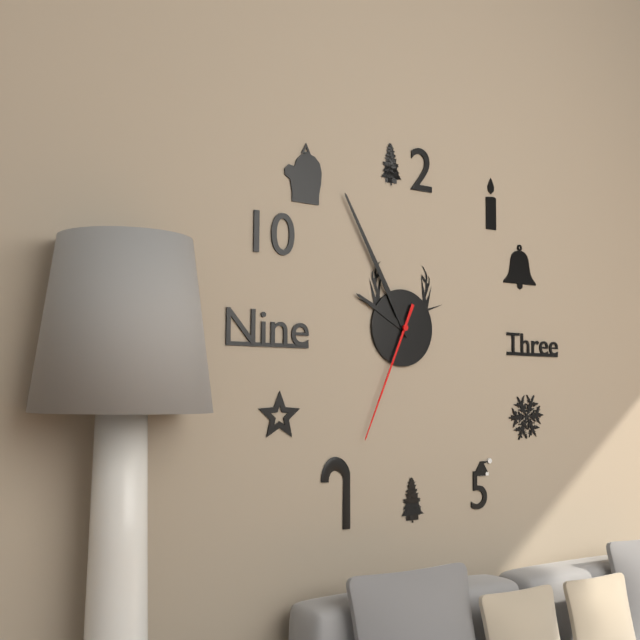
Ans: 9:55:34
